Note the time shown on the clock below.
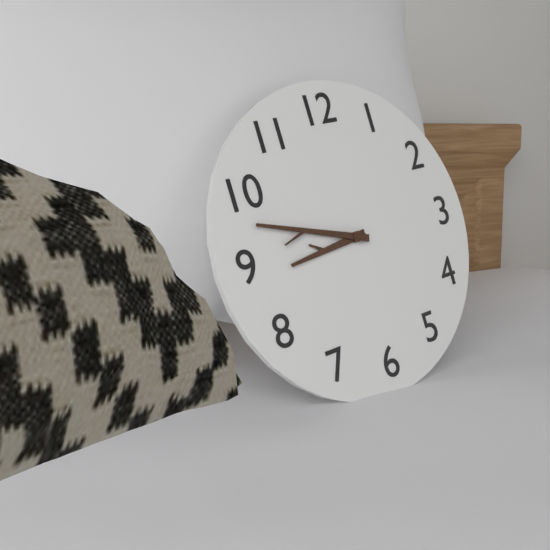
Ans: 8:48
